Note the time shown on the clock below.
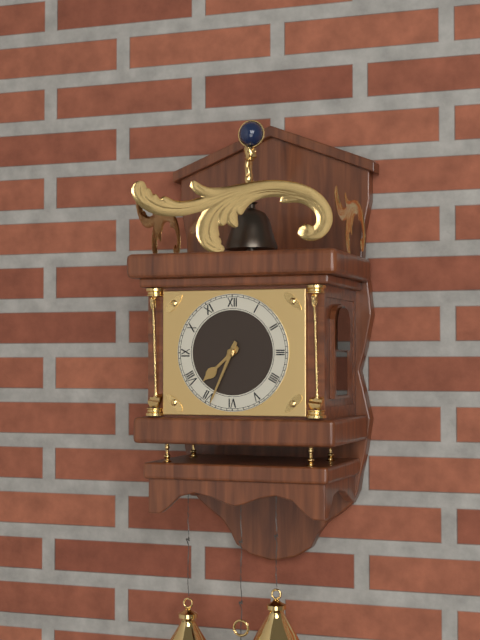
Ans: 7:34
